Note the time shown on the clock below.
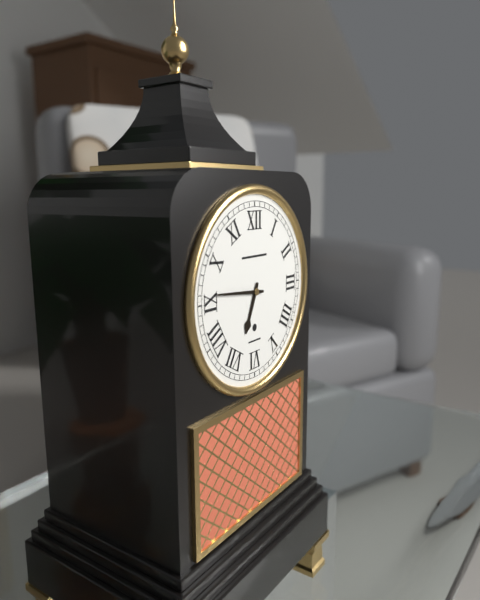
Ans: 6:46
